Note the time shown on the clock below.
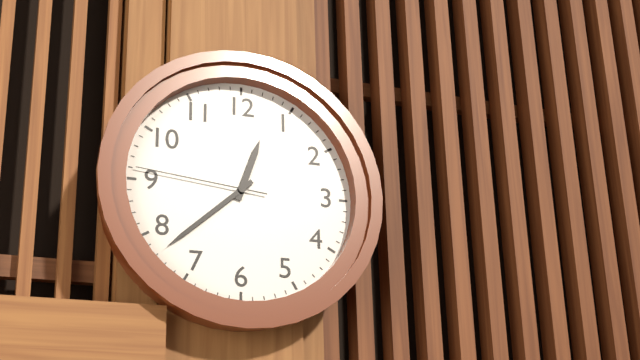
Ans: 12:38:46
